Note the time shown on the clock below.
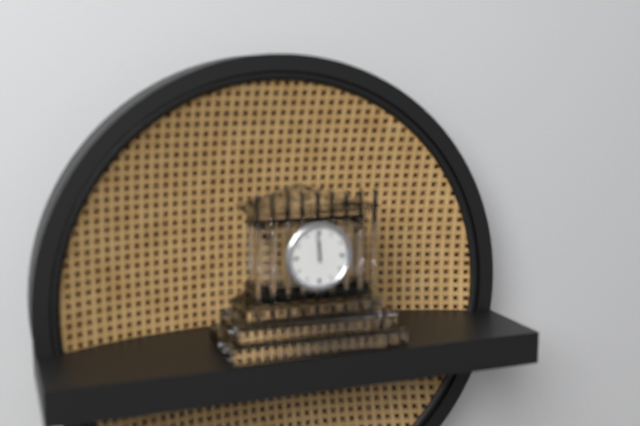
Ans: 11:59
